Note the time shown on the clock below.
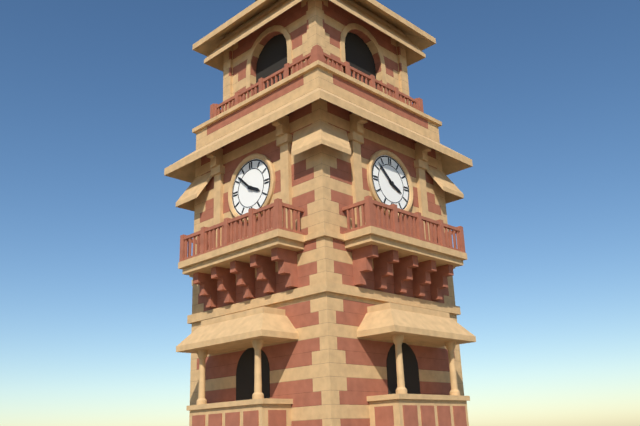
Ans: 3:52
